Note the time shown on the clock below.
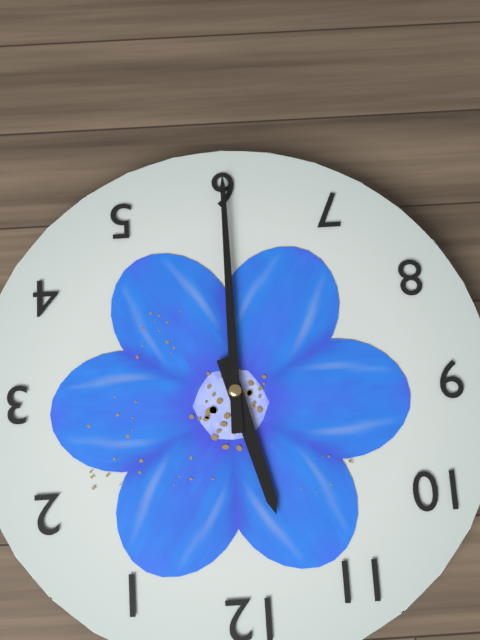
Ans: 11:30
